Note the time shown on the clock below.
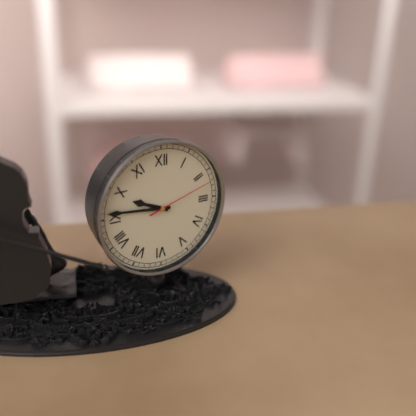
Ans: 9:46:12
